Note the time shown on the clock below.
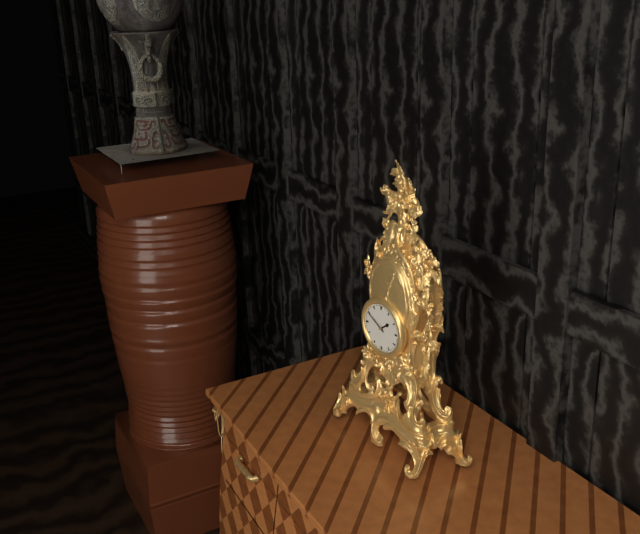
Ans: 1:50
